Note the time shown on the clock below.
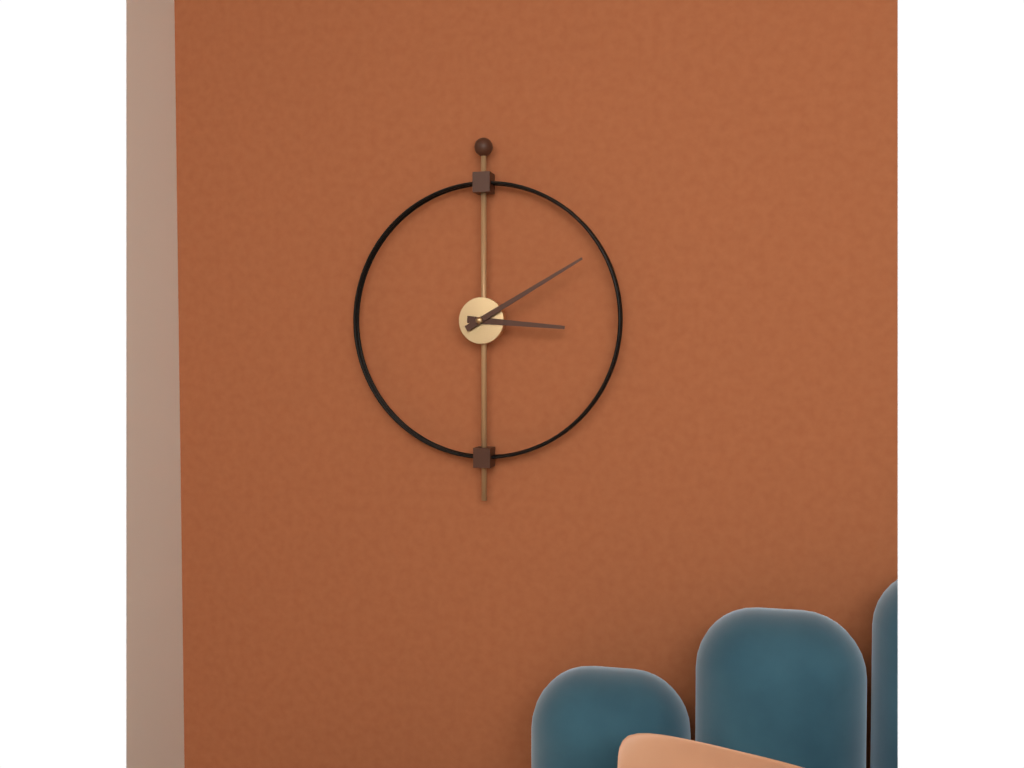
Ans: 3:10
